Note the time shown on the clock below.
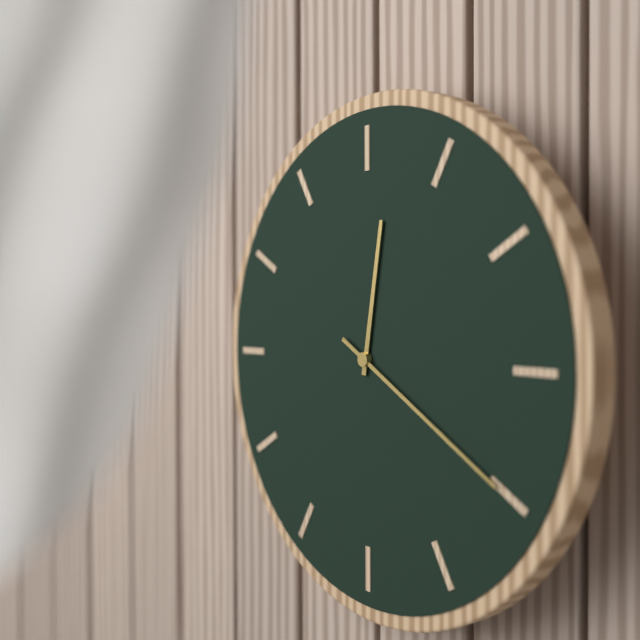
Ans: 12:20
